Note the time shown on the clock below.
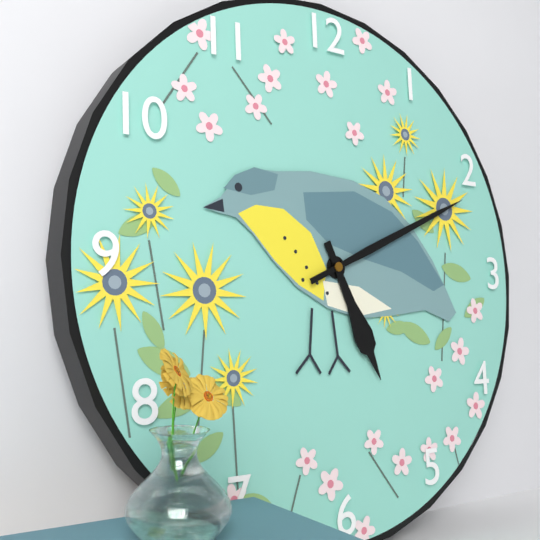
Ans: 5:11
